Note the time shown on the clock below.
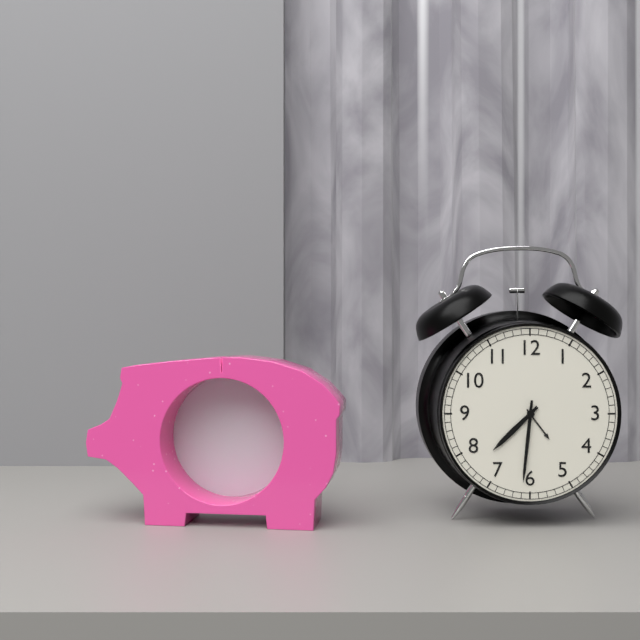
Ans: 7:31
